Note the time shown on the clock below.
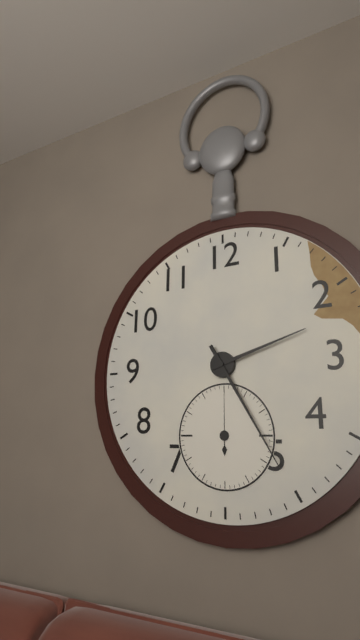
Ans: 2:25:00
